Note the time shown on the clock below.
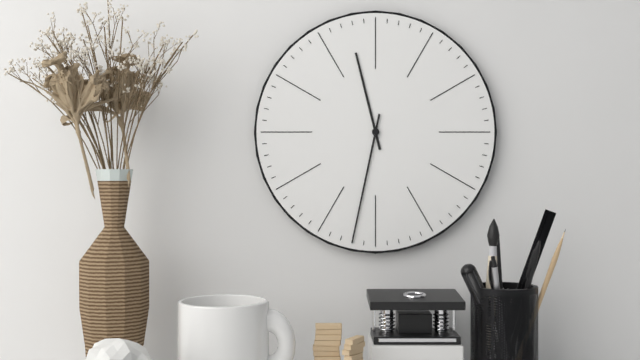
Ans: 11:32
